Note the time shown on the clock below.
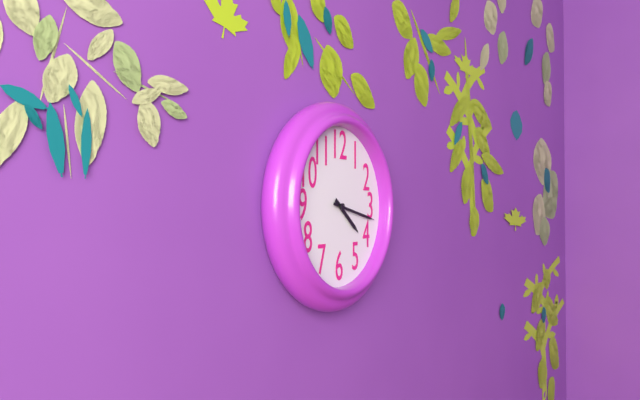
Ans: 4:17
